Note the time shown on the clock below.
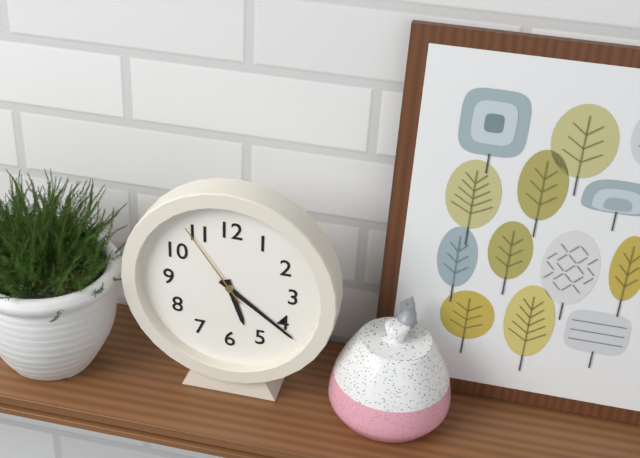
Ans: 5:21:54
